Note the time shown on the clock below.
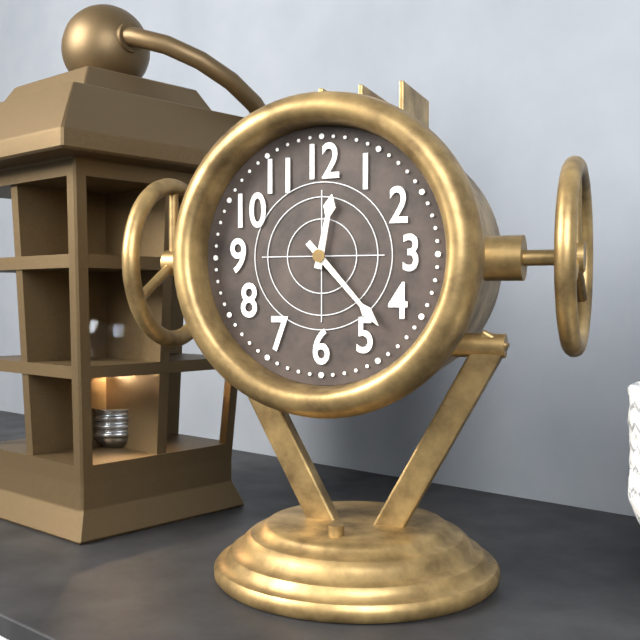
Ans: 12:23
